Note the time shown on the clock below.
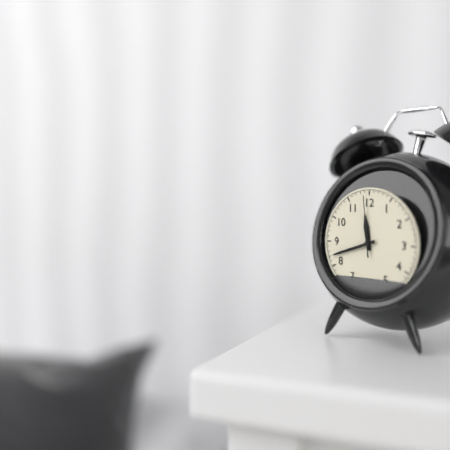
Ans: 11:42:59
